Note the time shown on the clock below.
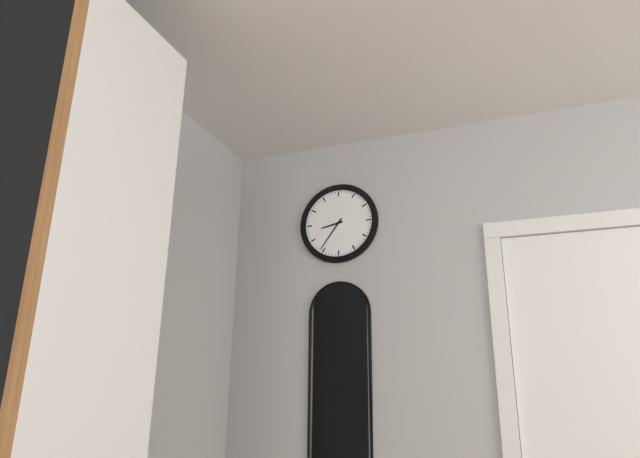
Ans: 8:36
